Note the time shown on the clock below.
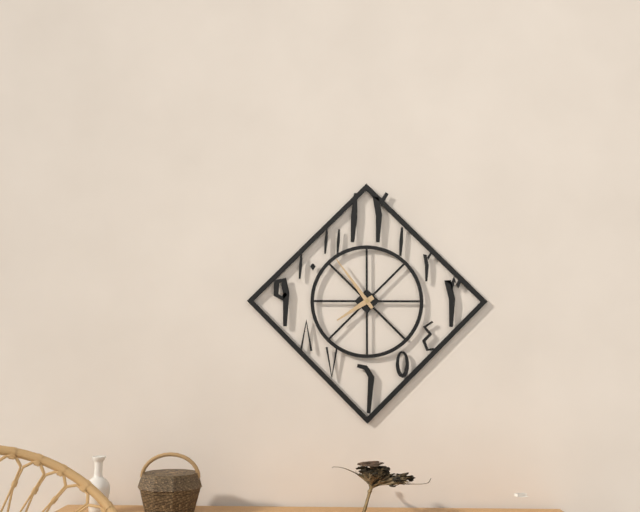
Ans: 7:54
